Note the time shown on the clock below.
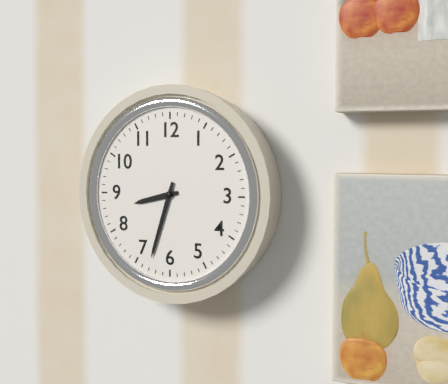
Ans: 8:33
